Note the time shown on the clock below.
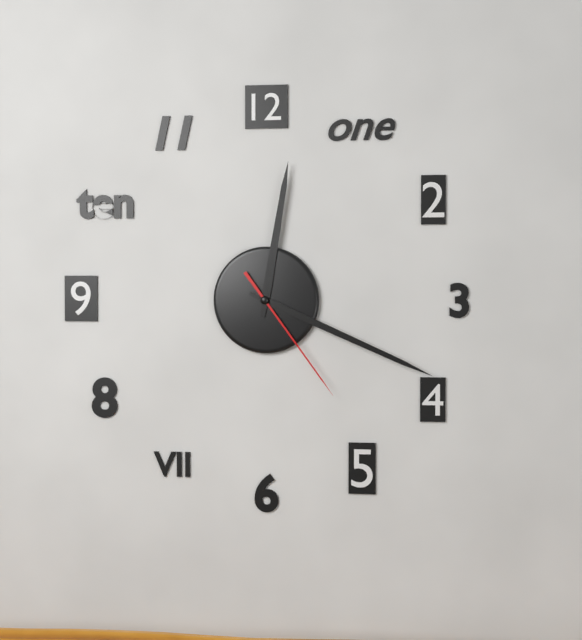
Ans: 12:19:24
